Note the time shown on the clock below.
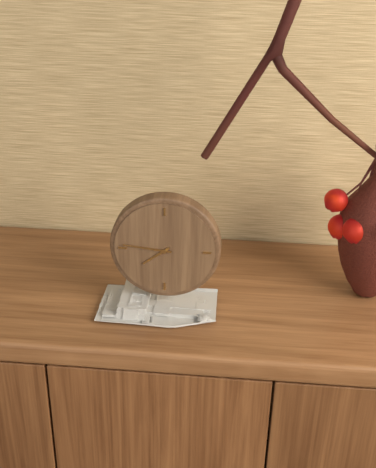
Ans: 7:46
